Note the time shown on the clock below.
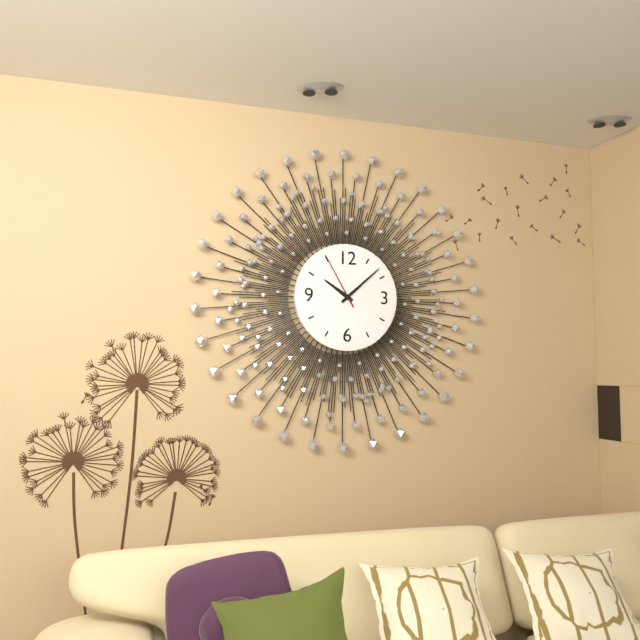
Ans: 10:08:55
